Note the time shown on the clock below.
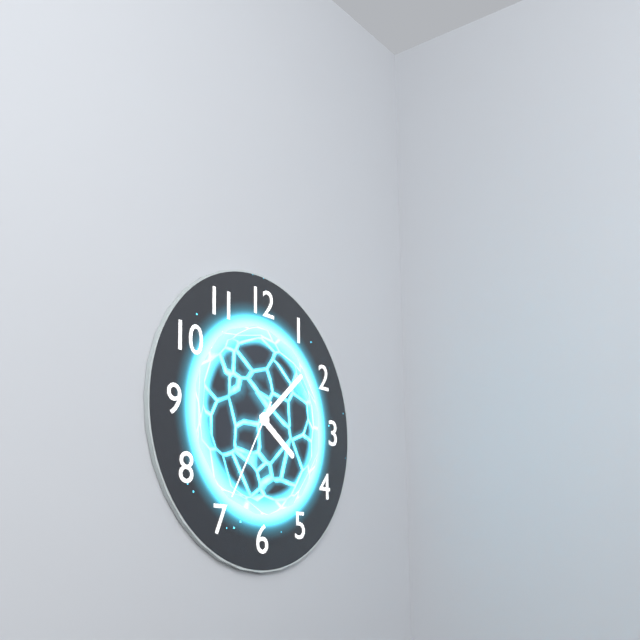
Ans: 4:08:35
